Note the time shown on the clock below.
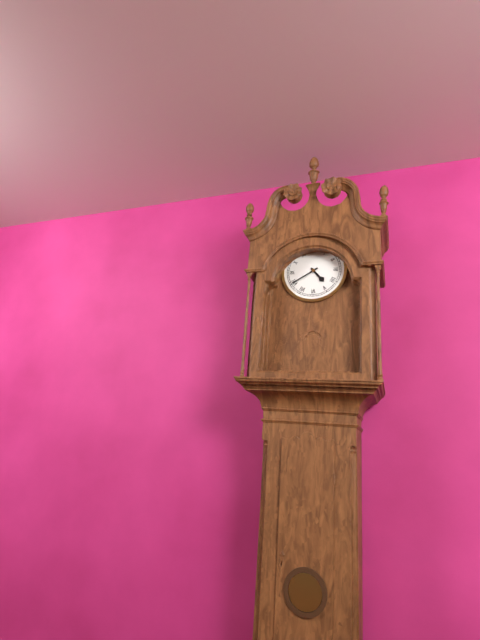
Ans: 4:40
